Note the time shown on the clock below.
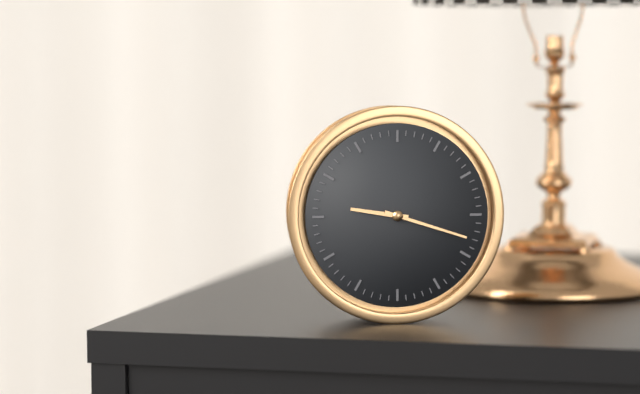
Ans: 9:18
